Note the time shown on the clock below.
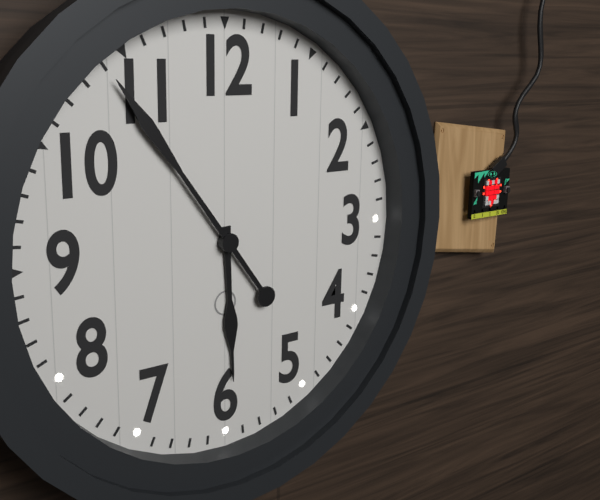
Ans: 5:54
